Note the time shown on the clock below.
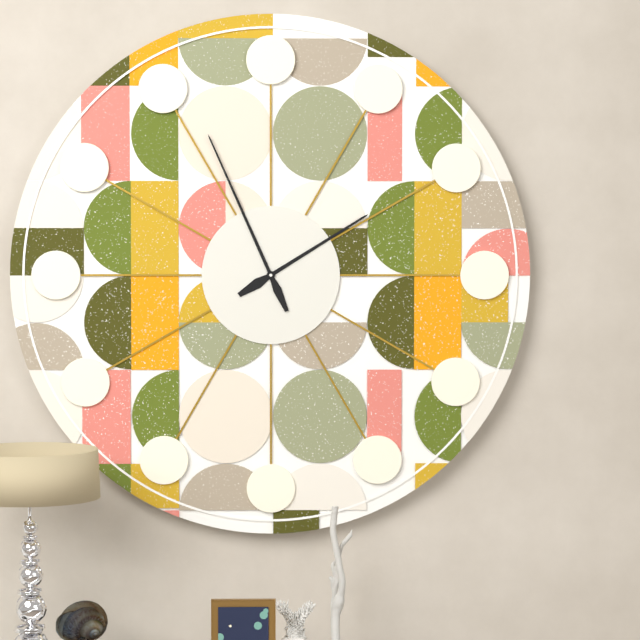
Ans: 1:56
